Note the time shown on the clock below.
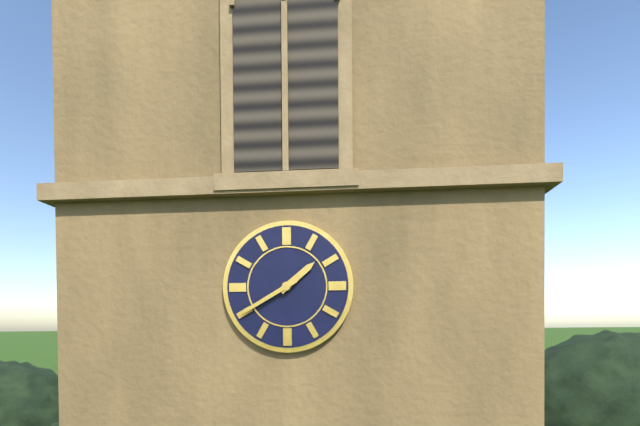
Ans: 1:40
